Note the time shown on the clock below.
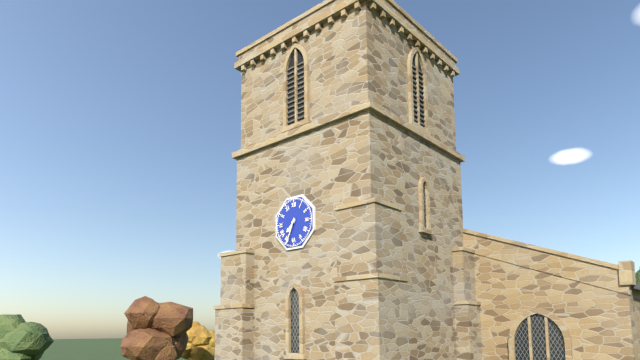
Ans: 7:34
